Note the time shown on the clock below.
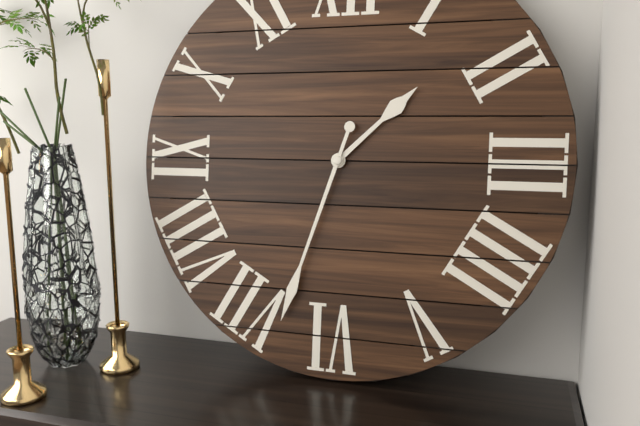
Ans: 1:33
